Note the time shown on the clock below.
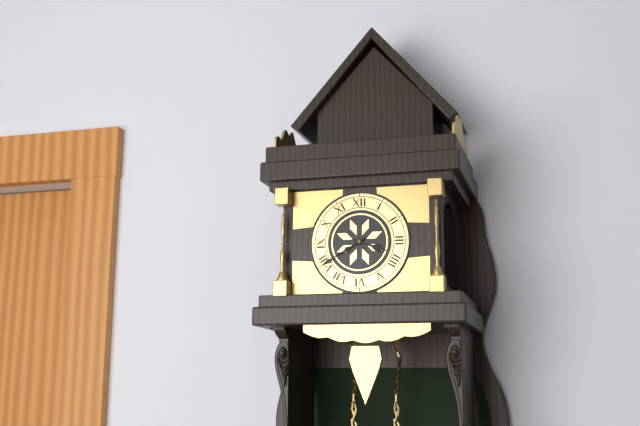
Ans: 3:40
